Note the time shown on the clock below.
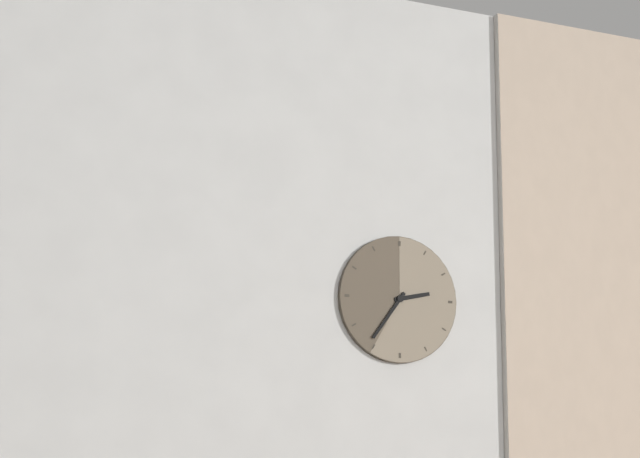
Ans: 2:36
